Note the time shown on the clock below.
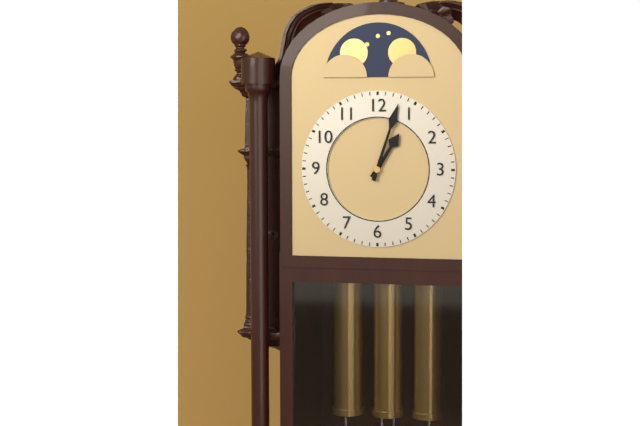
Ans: 1:03
